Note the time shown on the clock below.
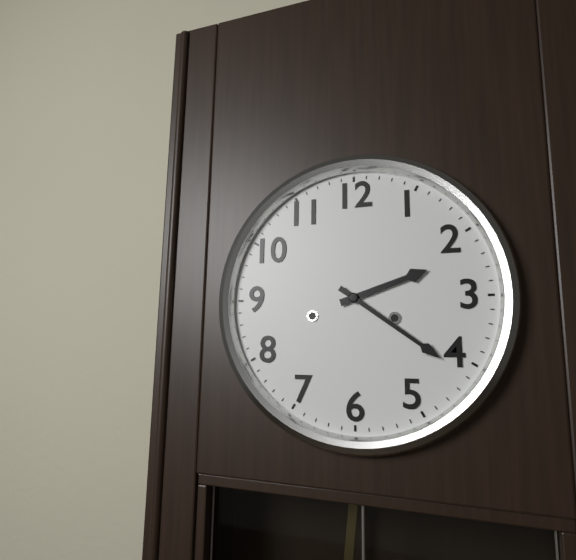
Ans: 2:21
